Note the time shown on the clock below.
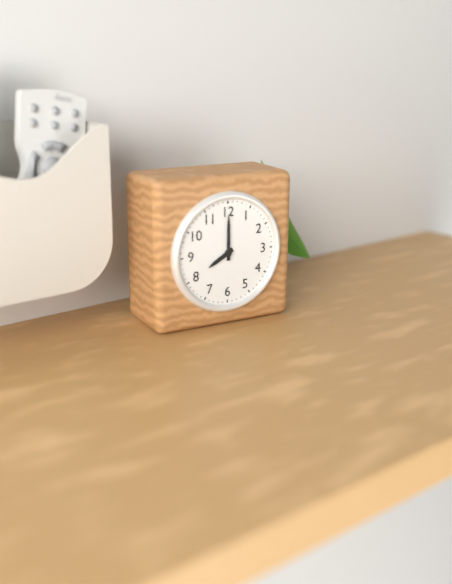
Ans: 8:00
